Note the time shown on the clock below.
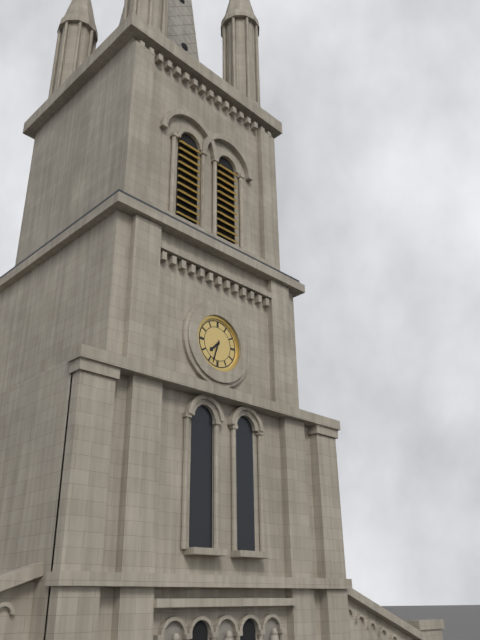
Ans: 7:33
